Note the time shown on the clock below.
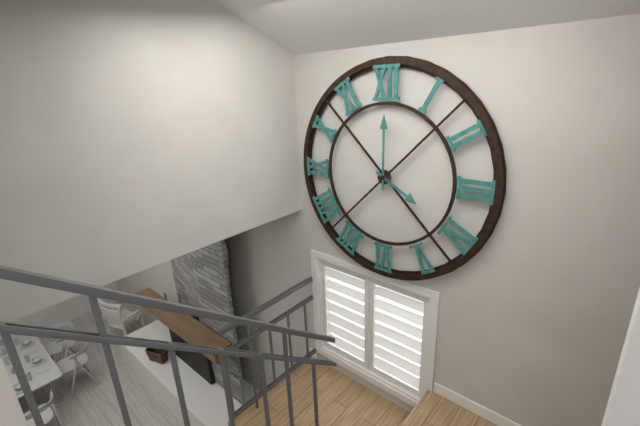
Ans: 4:00
